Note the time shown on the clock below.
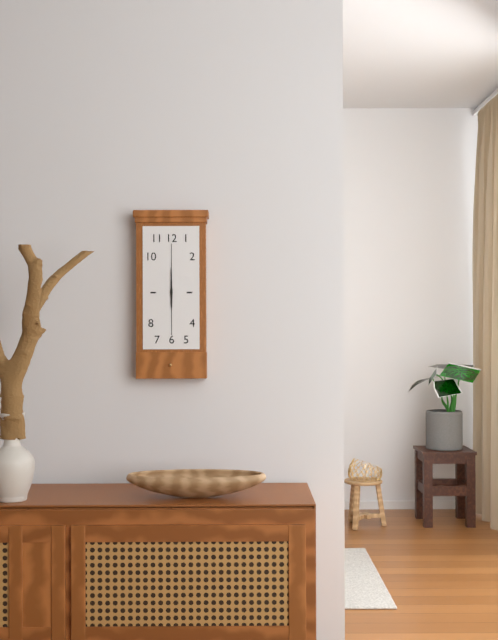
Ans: 6:00
